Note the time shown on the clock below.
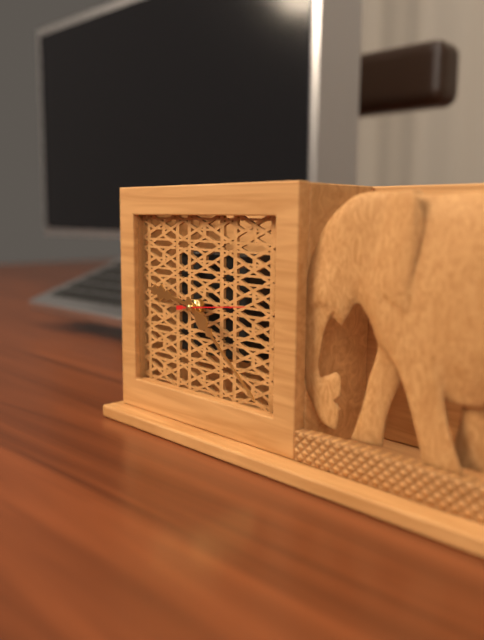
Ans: 9:22:14
